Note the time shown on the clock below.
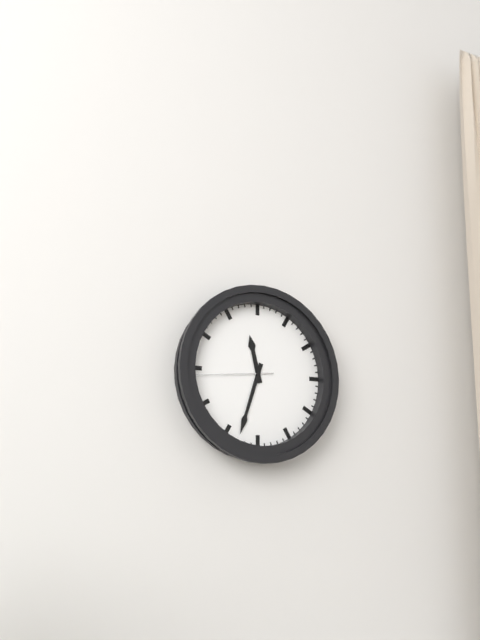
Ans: 11:33:44
